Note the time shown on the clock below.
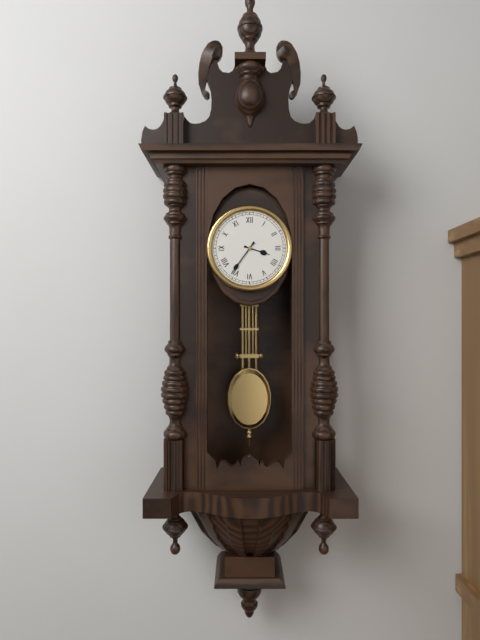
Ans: 3:36
